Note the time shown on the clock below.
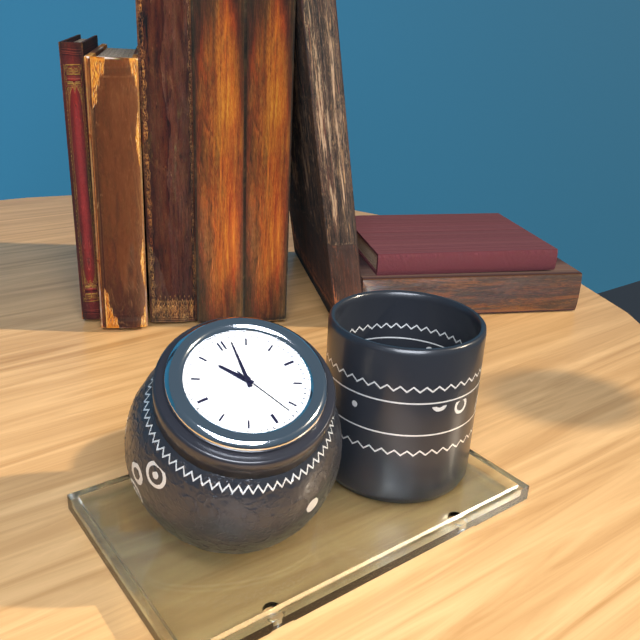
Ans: 11:02:27
